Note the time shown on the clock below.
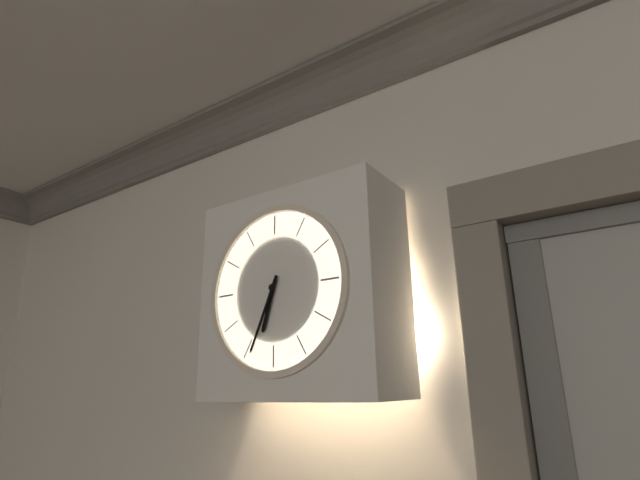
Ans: 6:34
